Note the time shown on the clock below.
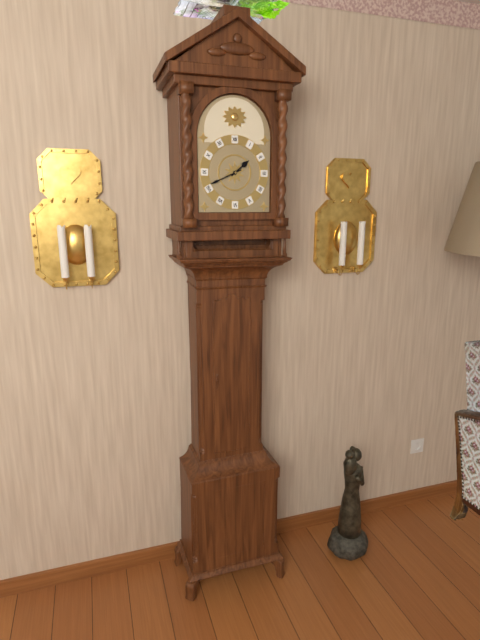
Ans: 1:41
